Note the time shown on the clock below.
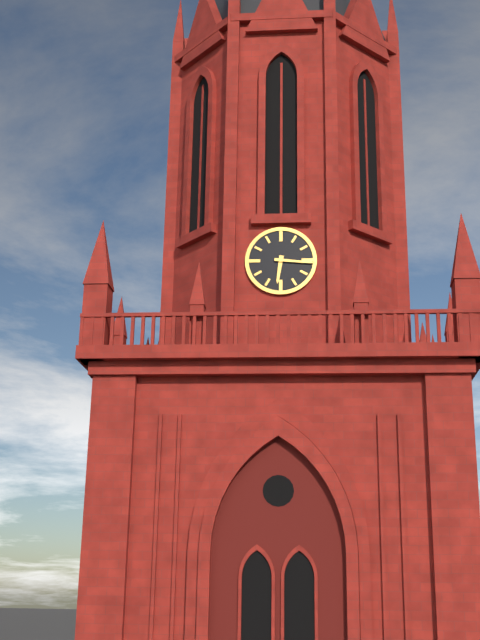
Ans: 6:16
